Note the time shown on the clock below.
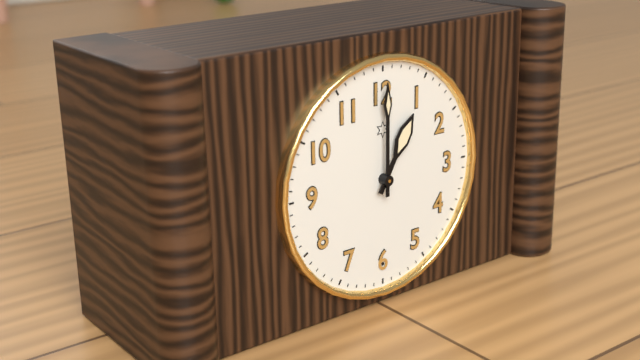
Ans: 1:00
